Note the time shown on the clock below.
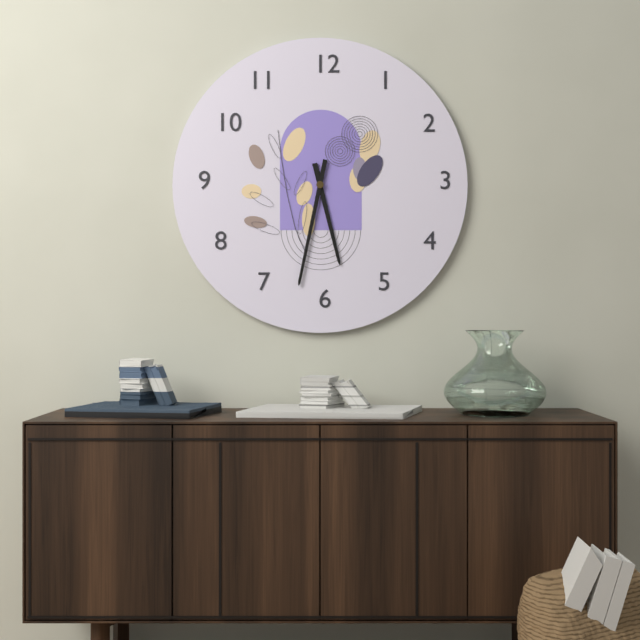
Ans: 5:32
